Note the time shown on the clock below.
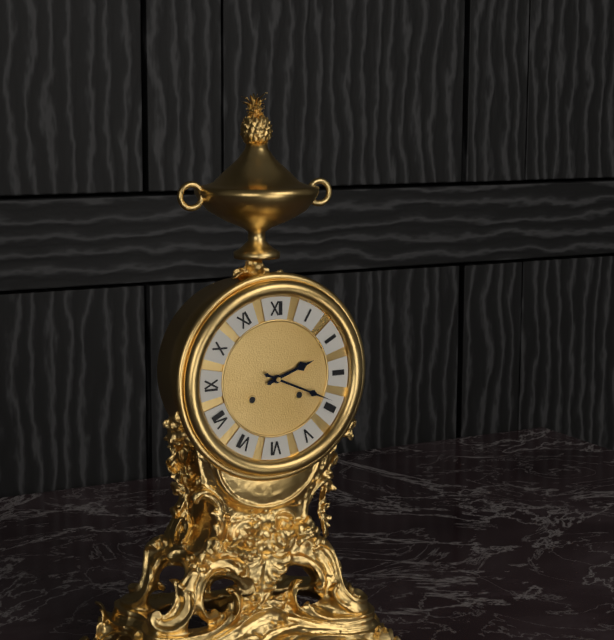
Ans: 2:19
